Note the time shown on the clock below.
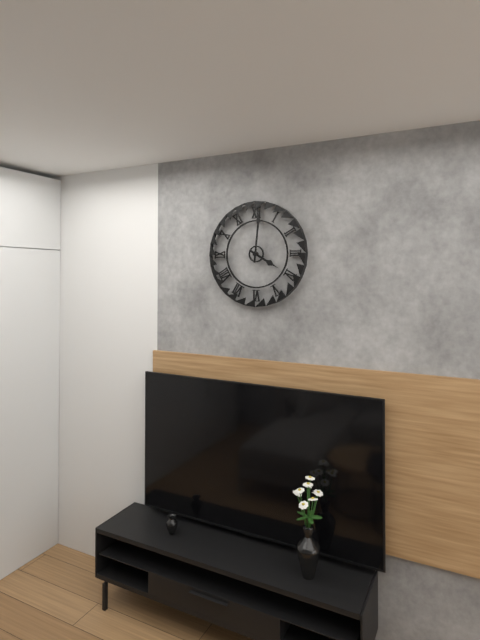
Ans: 4:01
